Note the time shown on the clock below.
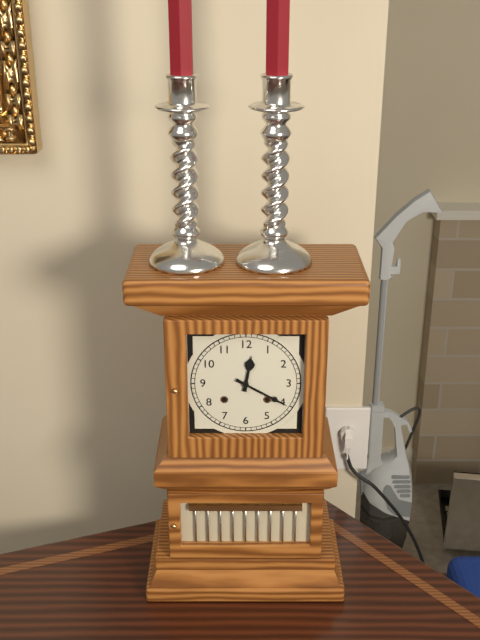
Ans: 12:20
